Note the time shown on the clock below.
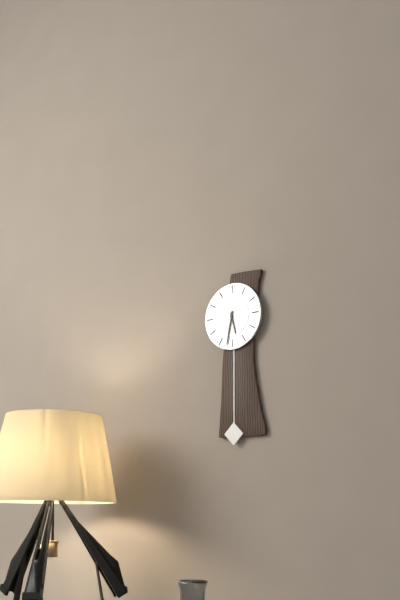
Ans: 5:32
